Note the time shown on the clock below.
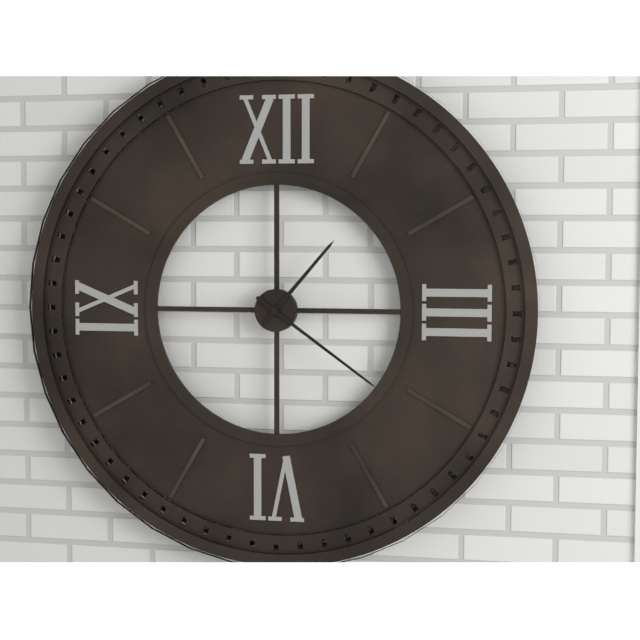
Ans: 1:21
